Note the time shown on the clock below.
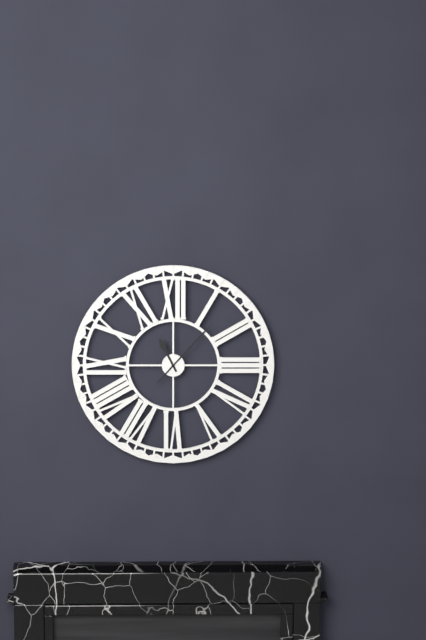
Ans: 11:07
